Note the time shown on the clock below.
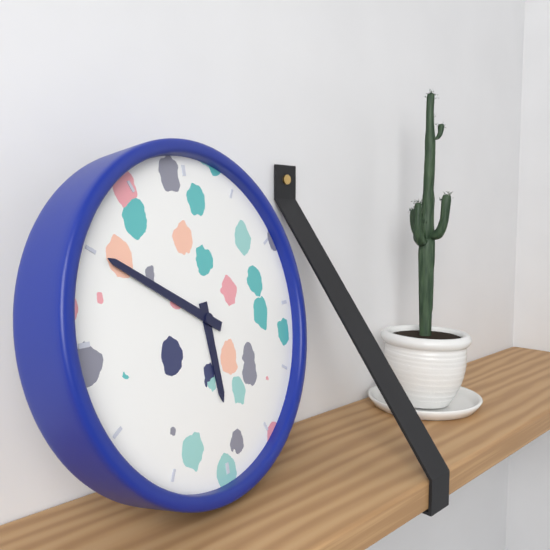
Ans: 5:50
